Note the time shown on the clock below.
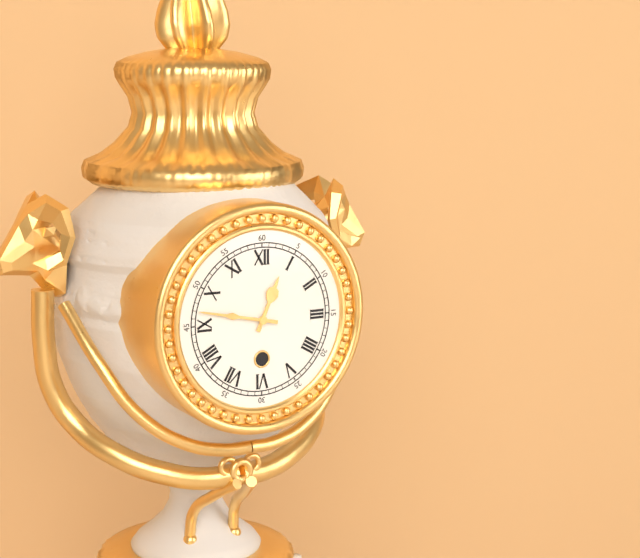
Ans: 12:47
